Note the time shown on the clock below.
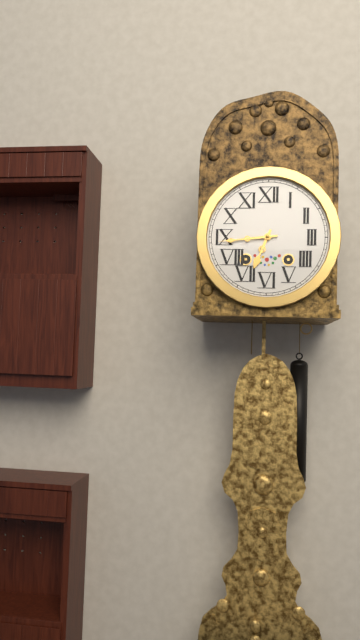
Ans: 6:44
